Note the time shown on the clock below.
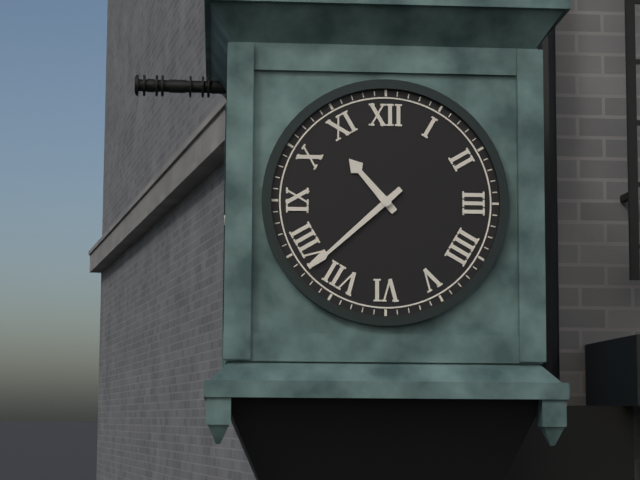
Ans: 10:38
